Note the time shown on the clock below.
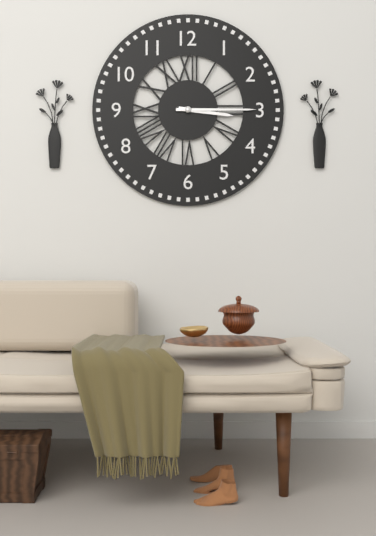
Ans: 3:15
